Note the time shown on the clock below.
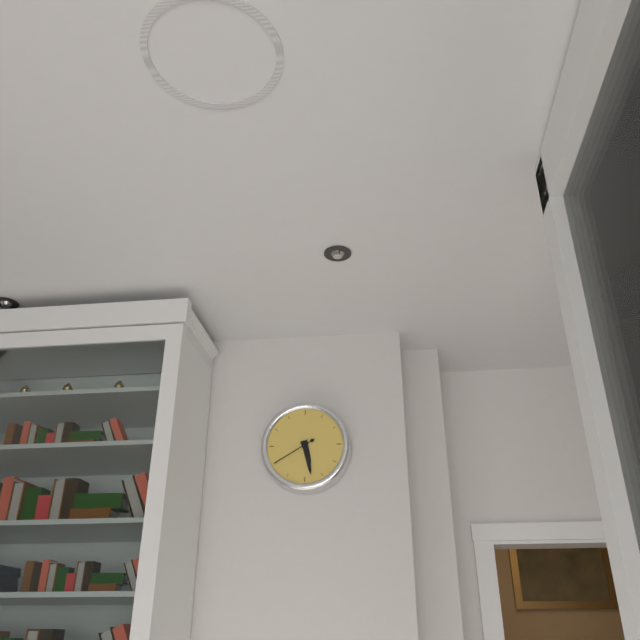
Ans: 5:28
